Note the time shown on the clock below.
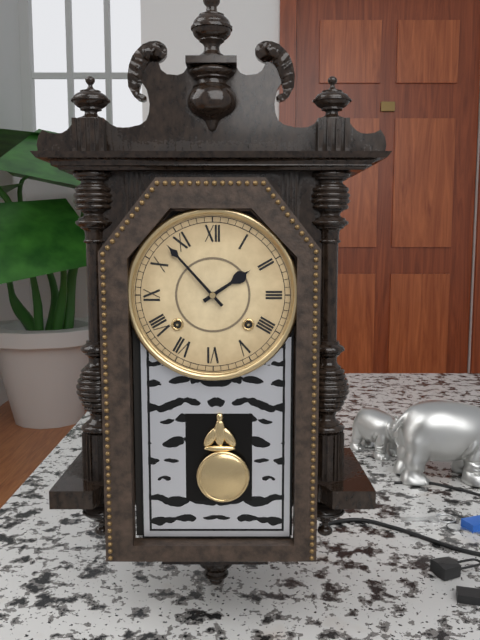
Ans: 1:53
